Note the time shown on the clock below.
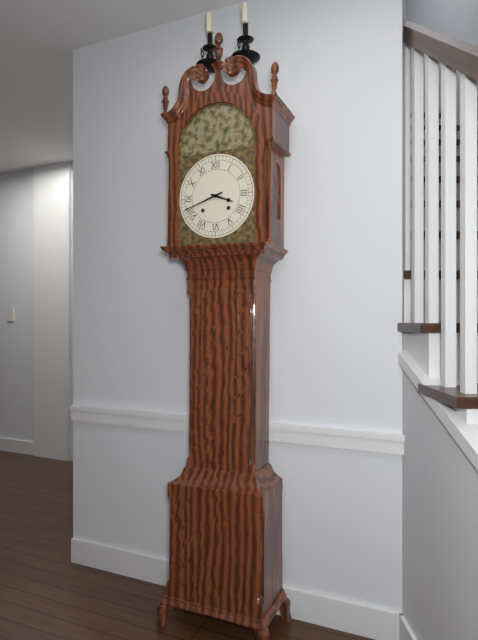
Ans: 3:42
